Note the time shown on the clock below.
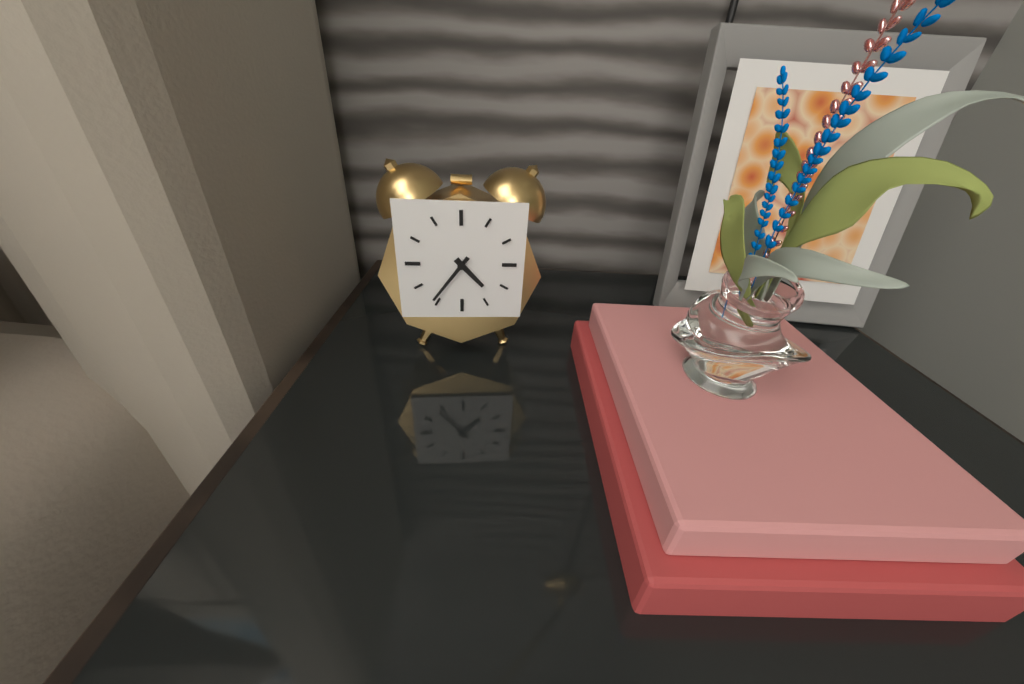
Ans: 4:36
